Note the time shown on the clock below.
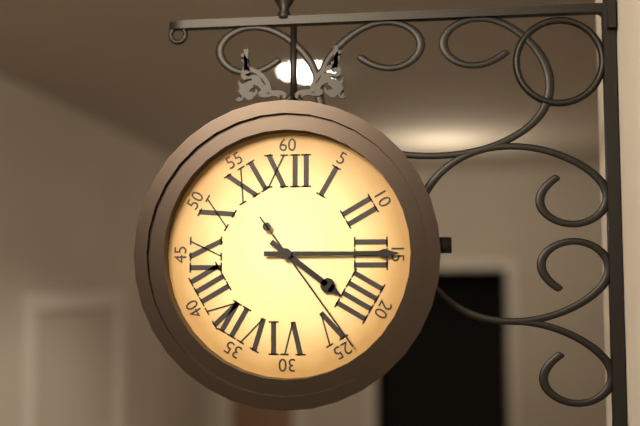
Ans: 4:15:24
